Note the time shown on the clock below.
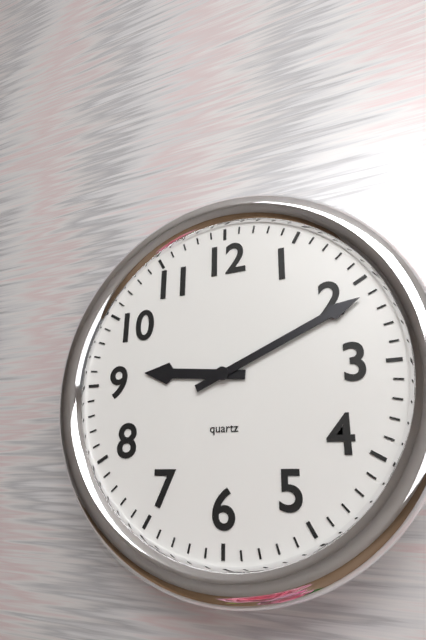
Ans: 9:11
